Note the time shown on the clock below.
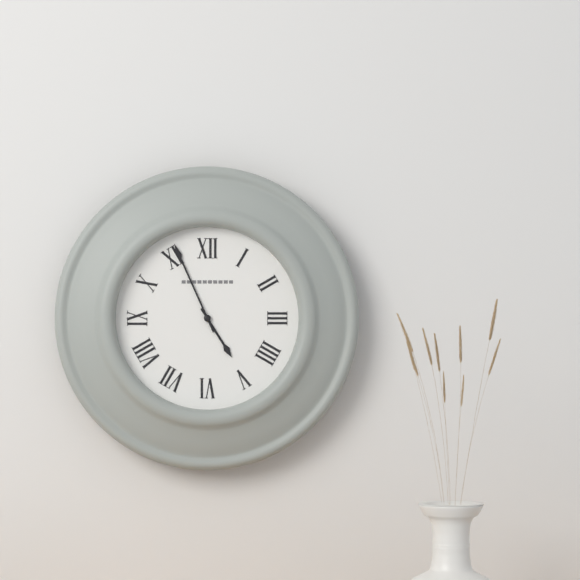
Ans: 4:56
